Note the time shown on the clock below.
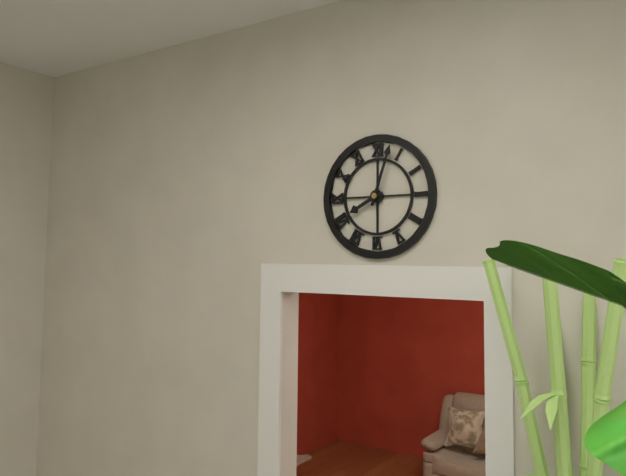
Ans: 8:03
